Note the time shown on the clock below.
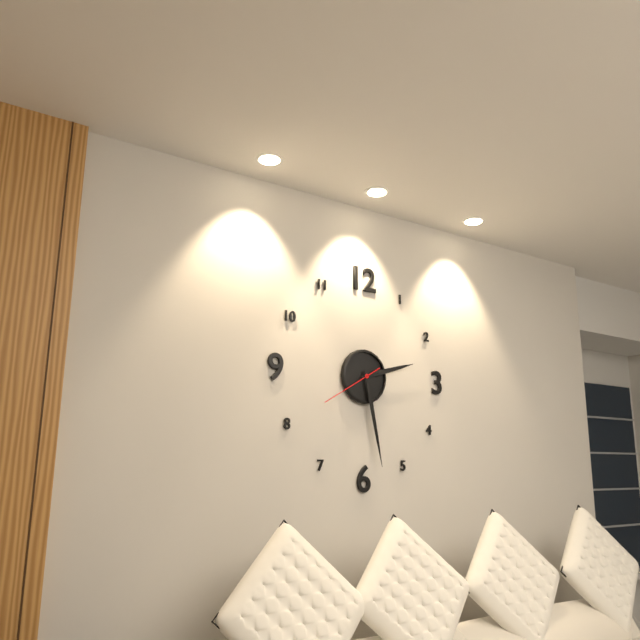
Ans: 2:28:40
